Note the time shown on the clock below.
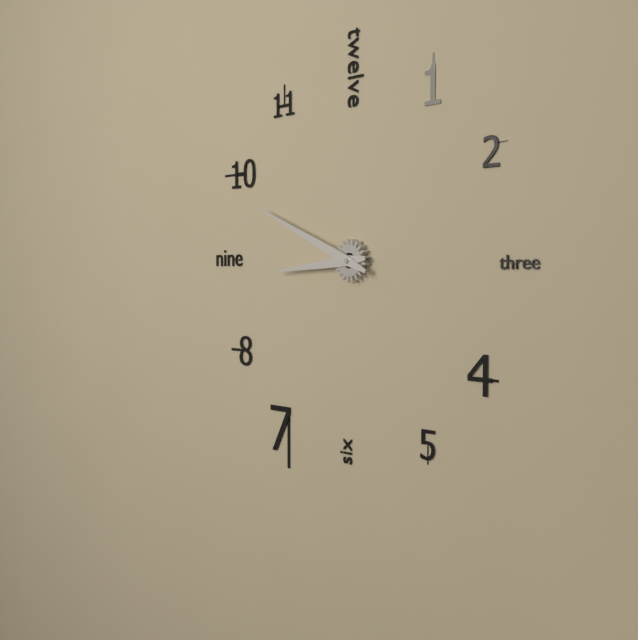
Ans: 8:49
